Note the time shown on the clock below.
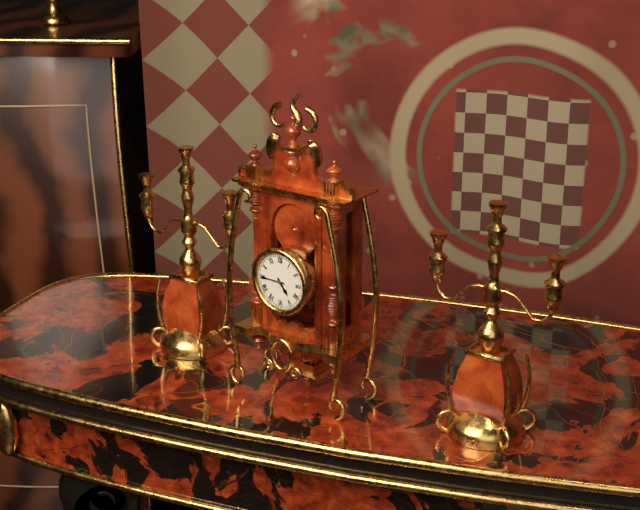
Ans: 4:45
